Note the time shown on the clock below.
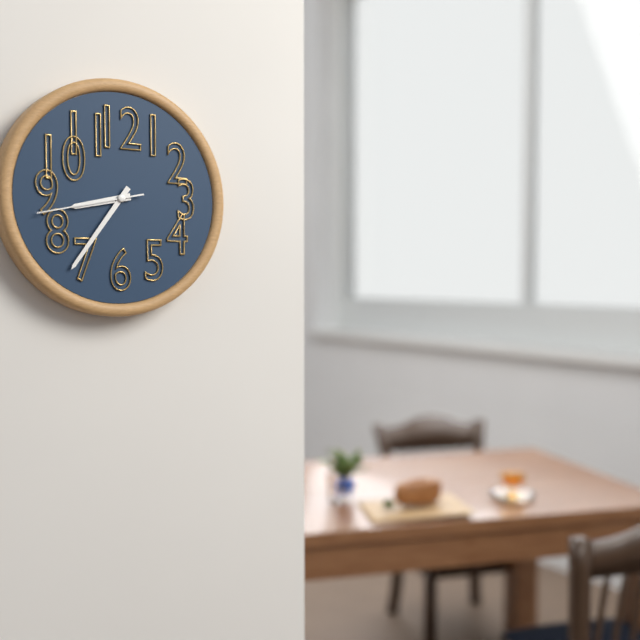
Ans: 8:36:43
